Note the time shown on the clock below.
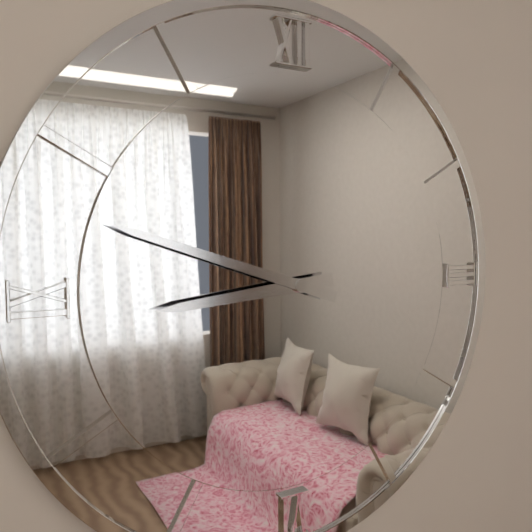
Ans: 8:48
